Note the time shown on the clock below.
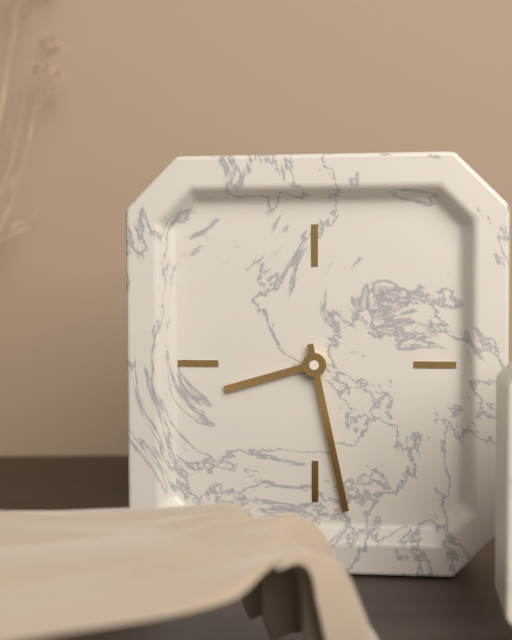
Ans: 8:28
